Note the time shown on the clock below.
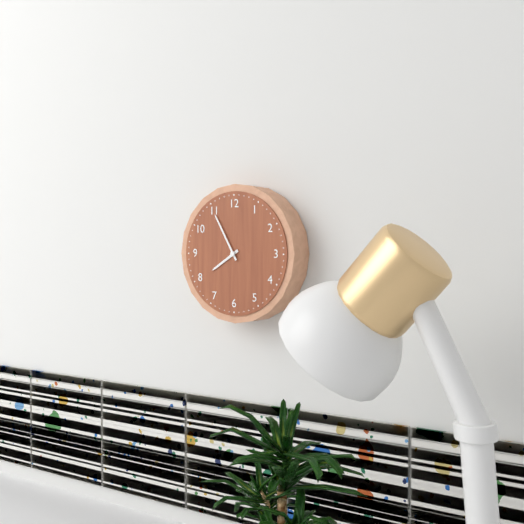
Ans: 7:55
